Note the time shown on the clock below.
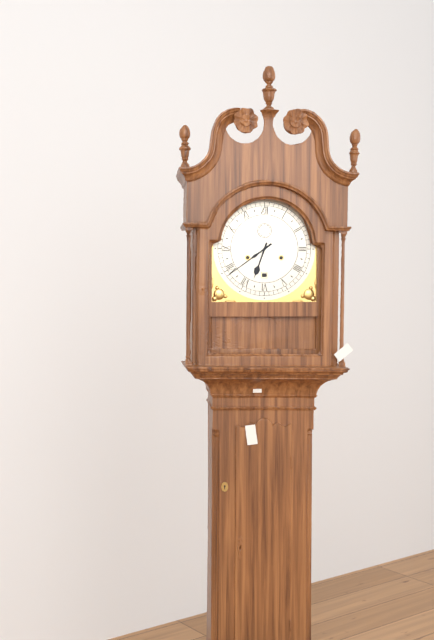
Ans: 6:39
